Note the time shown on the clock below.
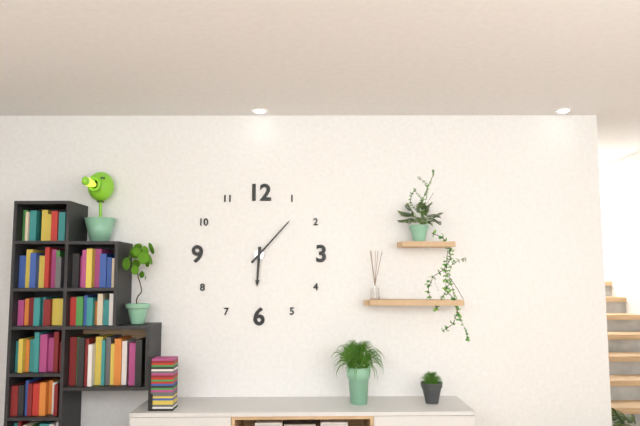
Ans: 6:07
